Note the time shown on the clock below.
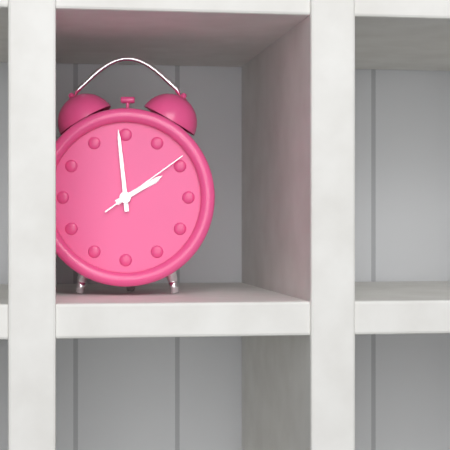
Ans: 1:59:09
